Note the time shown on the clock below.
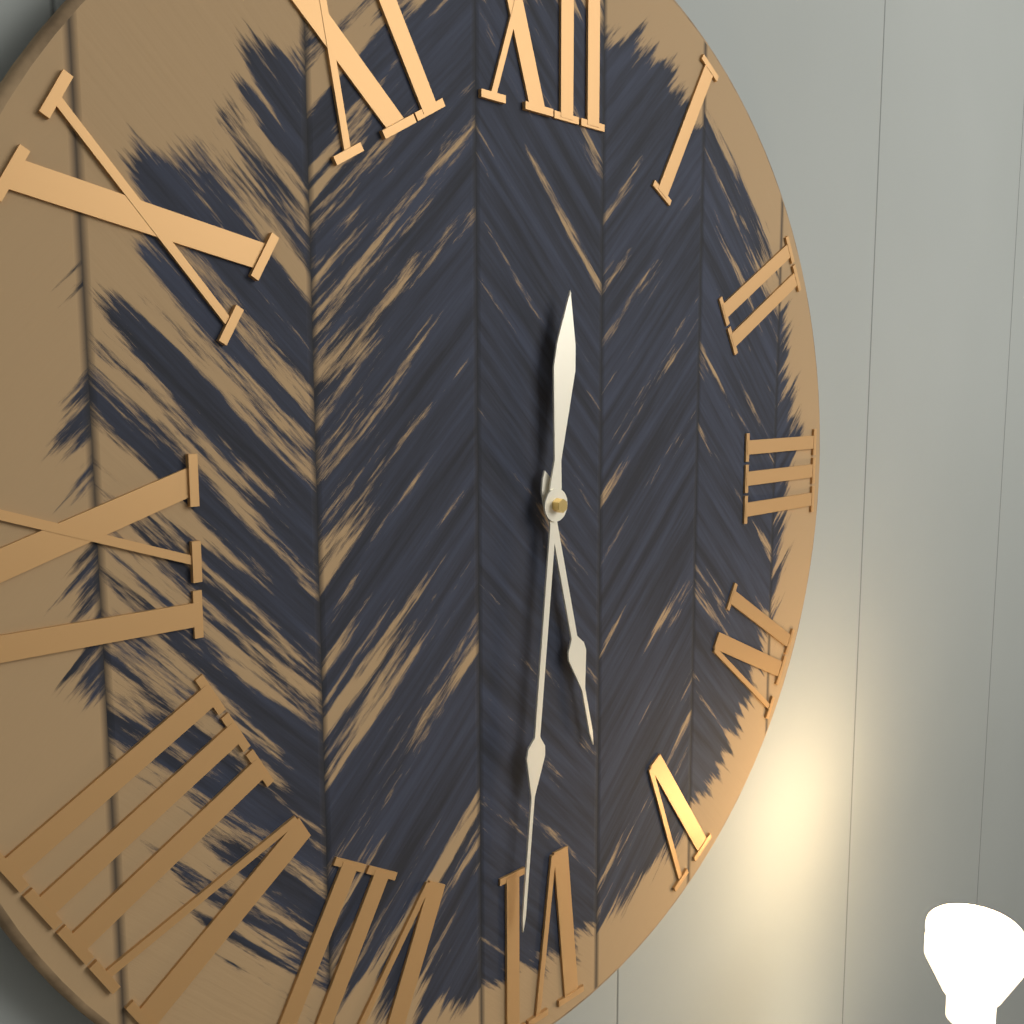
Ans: 5:31
